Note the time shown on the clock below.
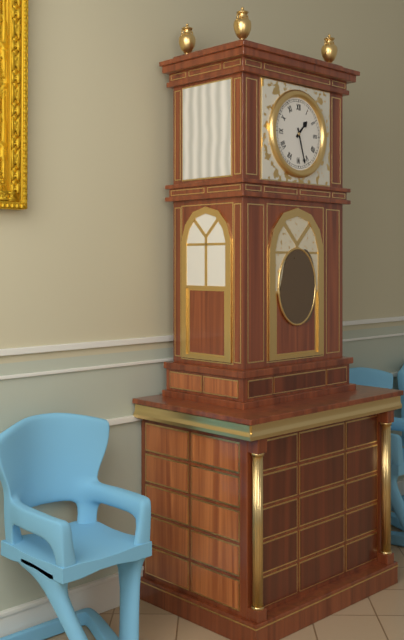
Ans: 1:27
